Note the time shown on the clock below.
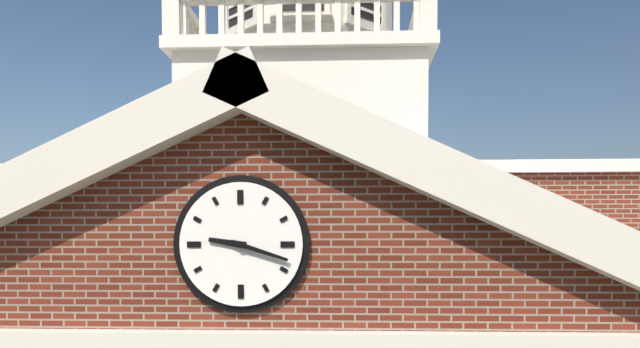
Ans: 9:18
